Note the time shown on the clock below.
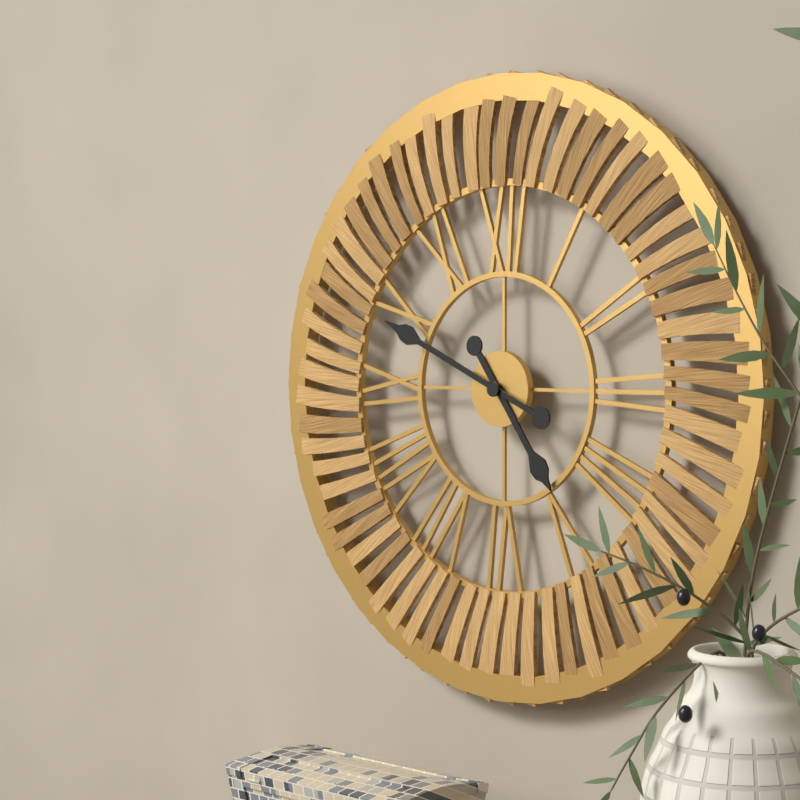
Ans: 4:49
